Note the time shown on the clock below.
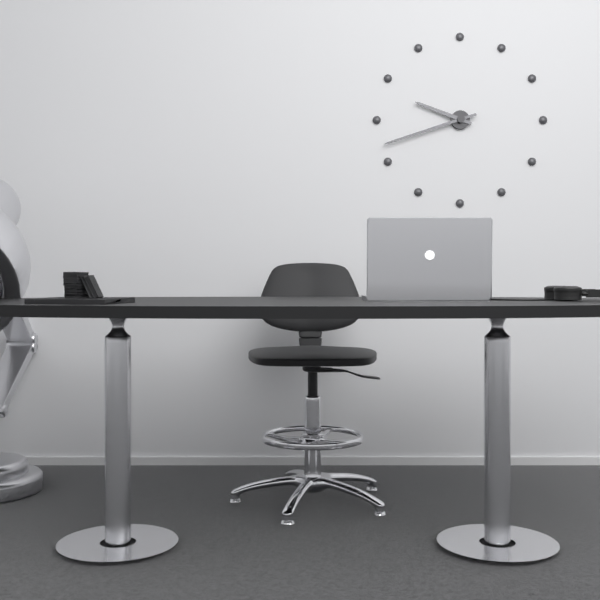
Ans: 9:42
